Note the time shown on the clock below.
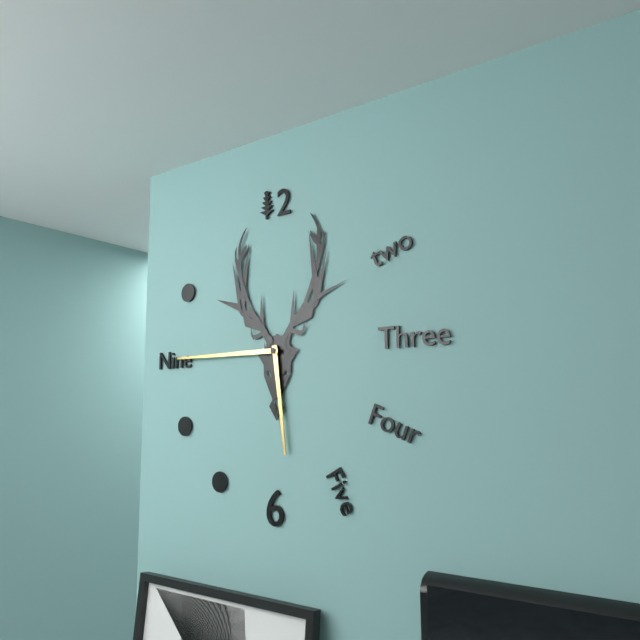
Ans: 5:45
